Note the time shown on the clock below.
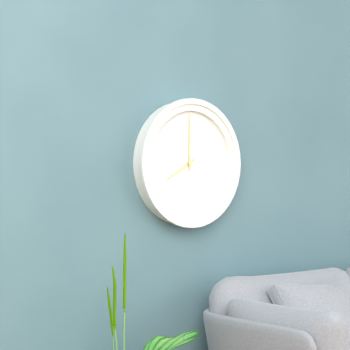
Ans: 8:00
